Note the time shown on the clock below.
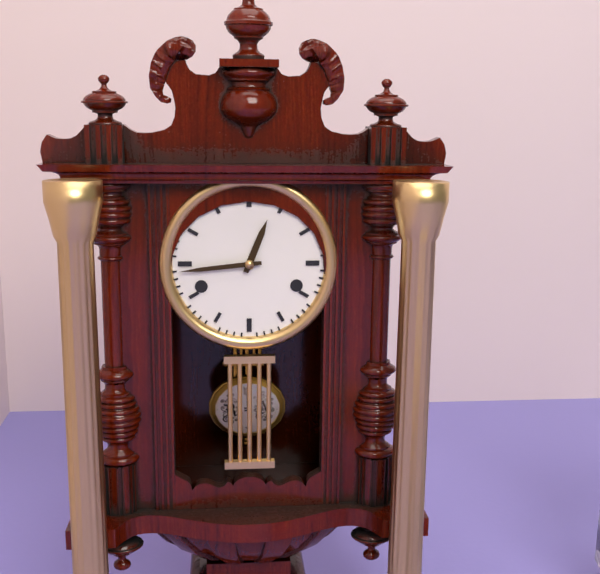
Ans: 12:44
